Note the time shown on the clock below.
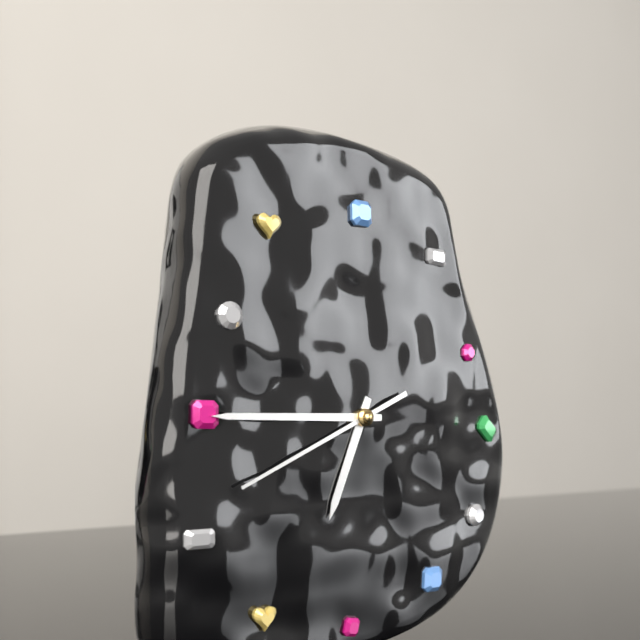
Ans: 6:45:41
